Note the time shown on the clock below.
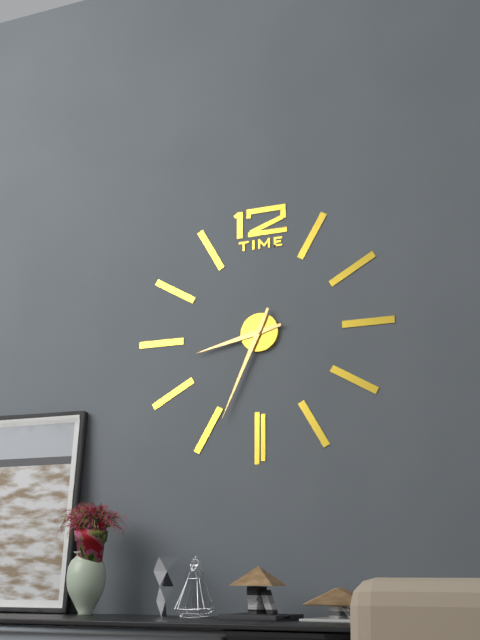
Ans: 8:34
